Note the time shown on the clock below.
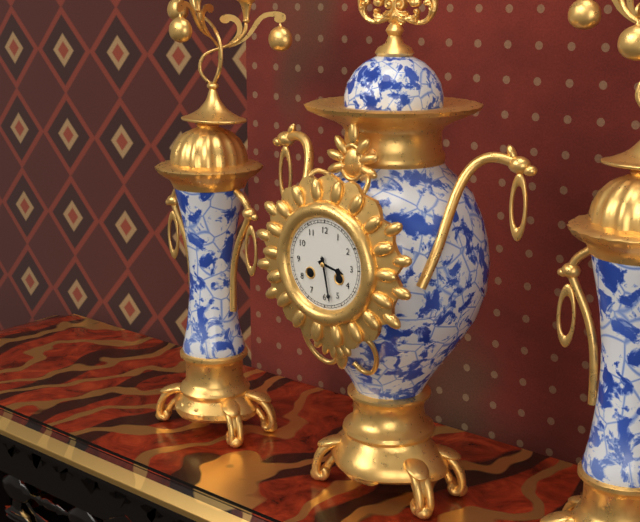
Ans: 3:28
